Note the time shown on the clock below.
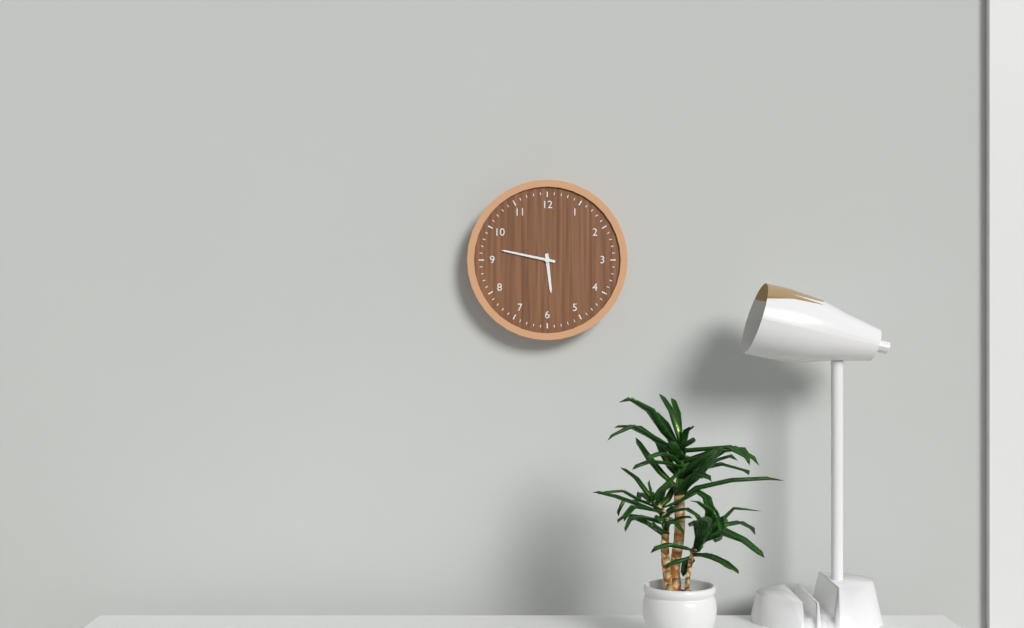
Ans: 5:47
